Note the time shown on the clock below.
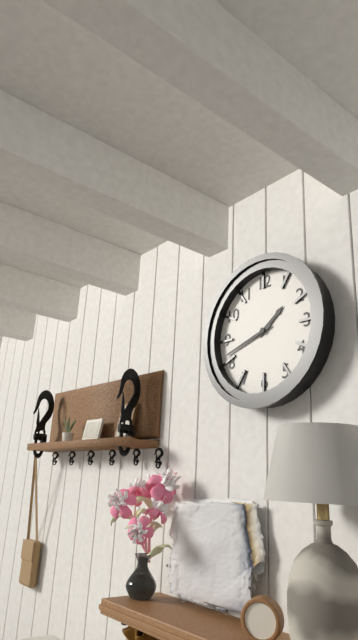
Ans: 1:42
